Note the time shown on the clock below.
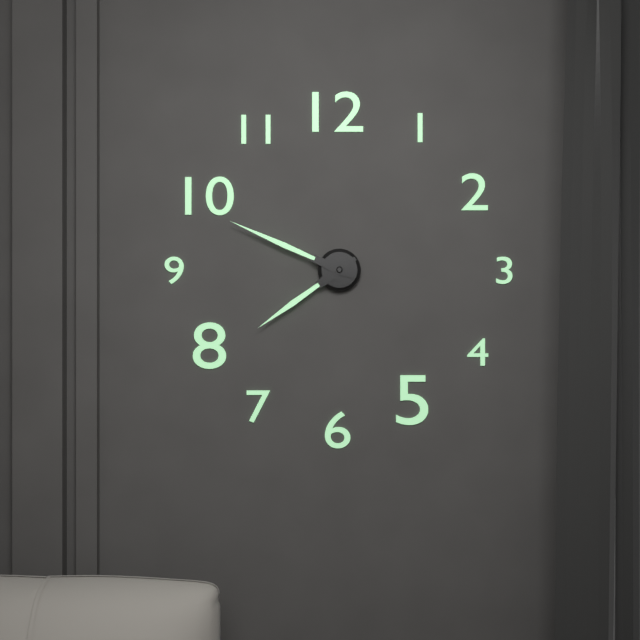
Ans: 7:49
